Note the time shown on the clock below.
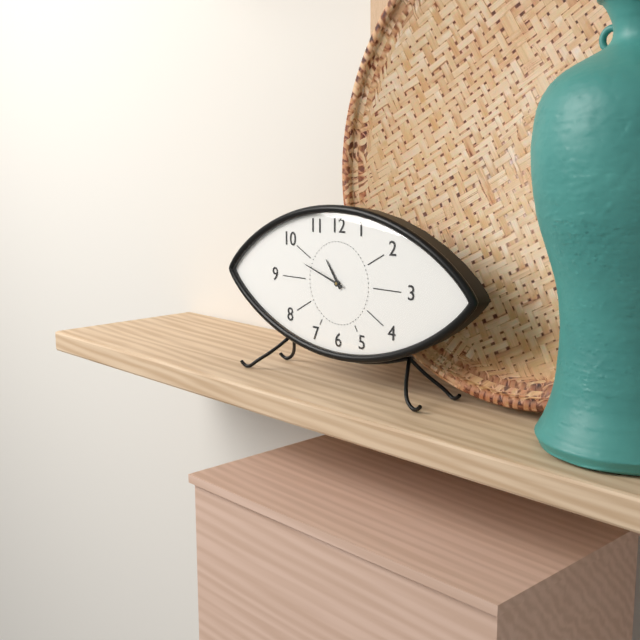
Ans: 10:48
